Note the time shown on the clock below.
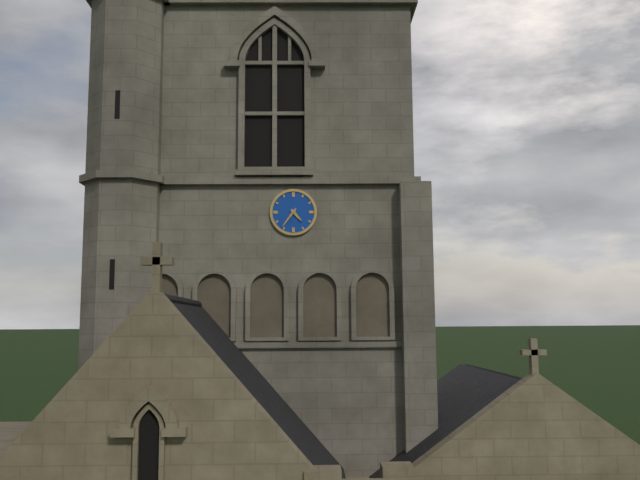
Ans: 4:36
